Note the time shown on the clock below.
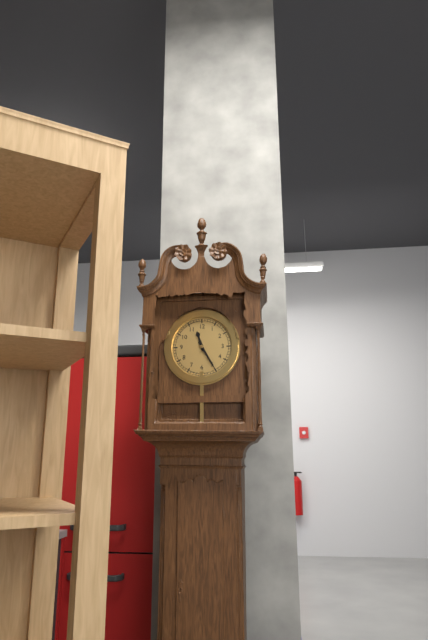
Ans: 11:25
